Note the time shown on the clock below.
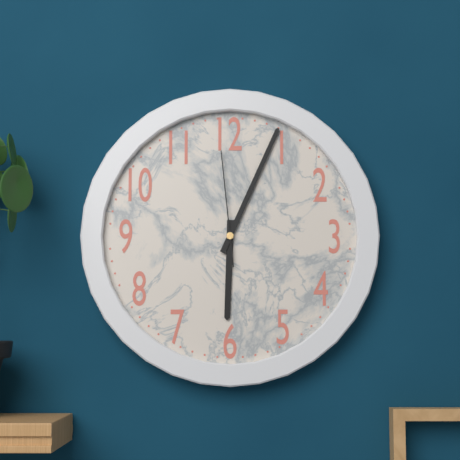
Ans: 6:04:59
